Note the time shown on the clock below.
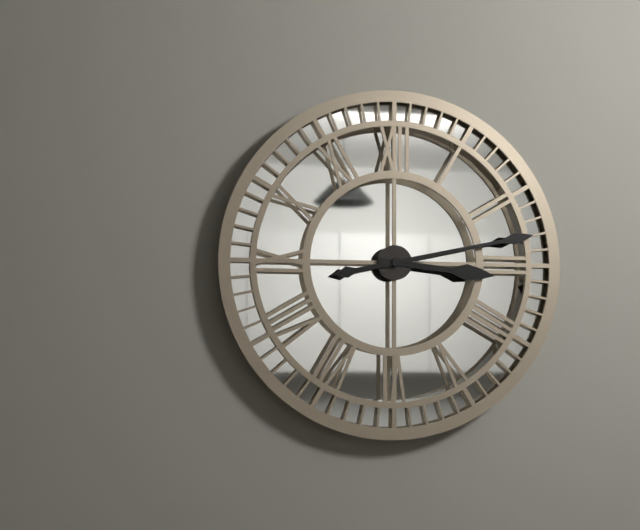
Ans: 3:13
